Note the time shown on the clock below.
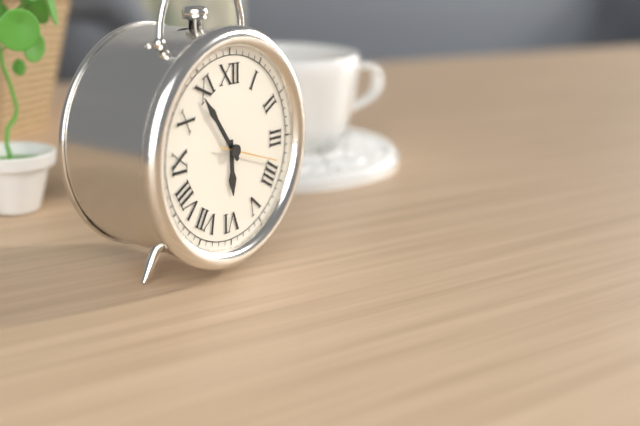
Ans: 5:54:18
